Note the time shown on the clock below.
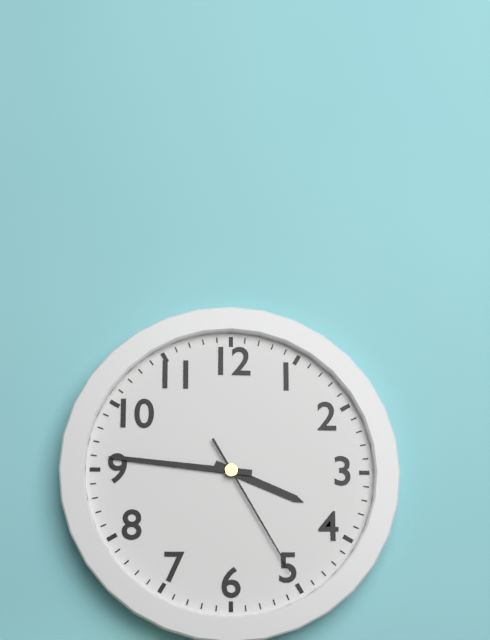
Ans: 3:46:25
